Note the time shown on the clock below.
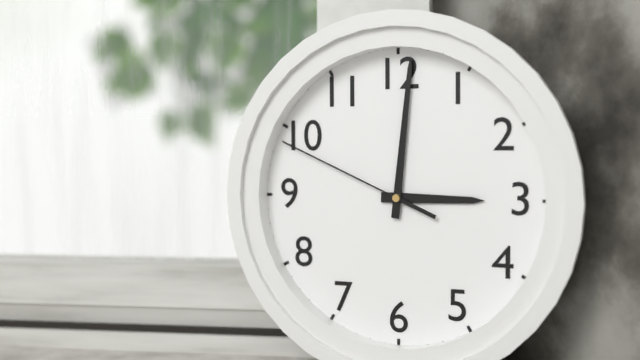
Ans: 3:01:49
